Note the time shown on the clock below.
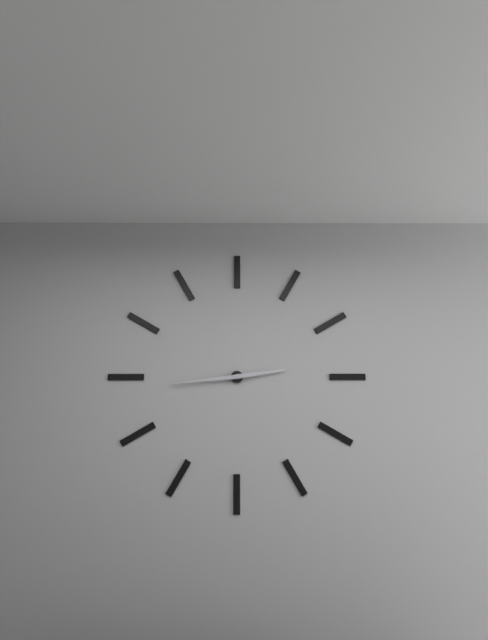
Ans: 2:44
